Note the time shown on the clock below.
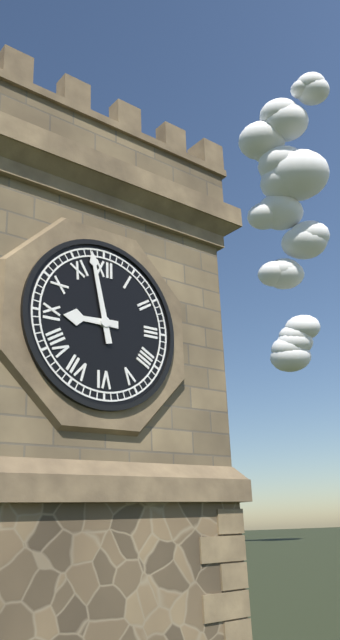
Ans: 8:58
